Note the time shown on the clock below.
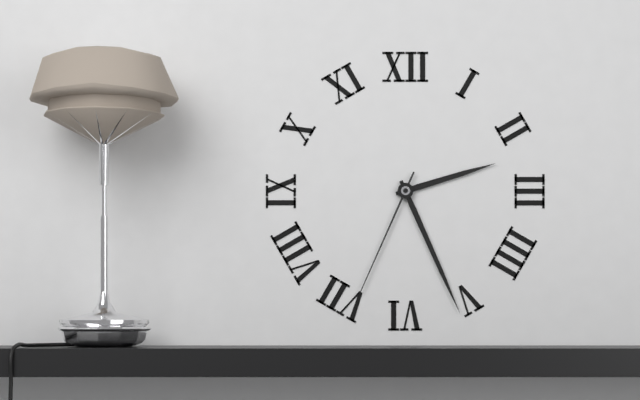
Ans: 2:26:34
